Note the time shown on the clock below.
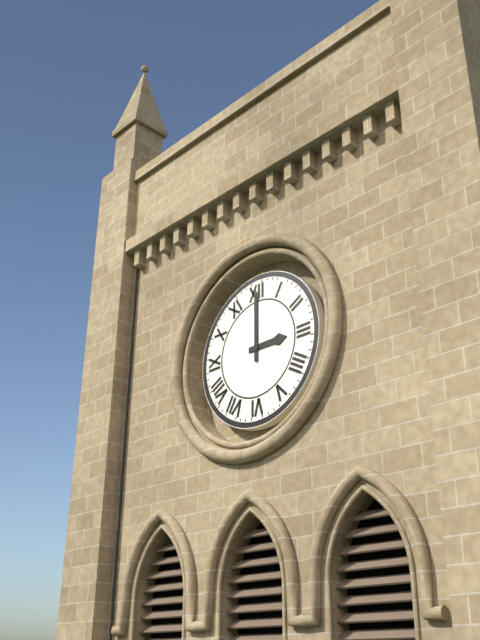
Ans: 3:00
